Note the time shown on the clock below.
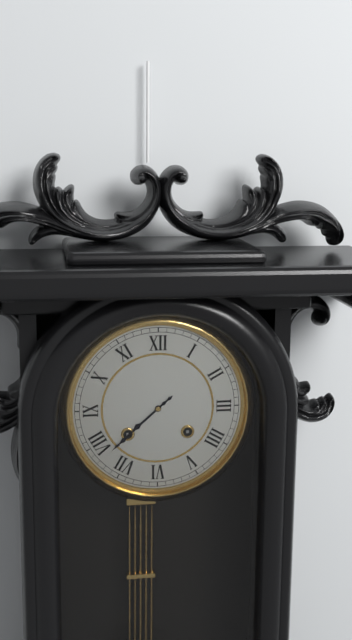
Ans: 7:38
